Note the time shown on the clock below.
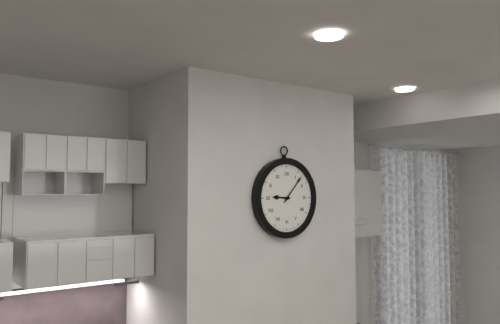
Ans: 9:07
